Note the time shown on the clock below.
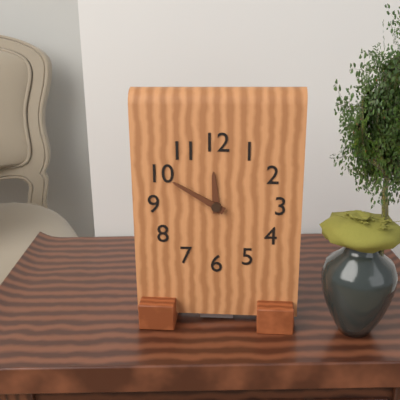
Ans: 11:50
